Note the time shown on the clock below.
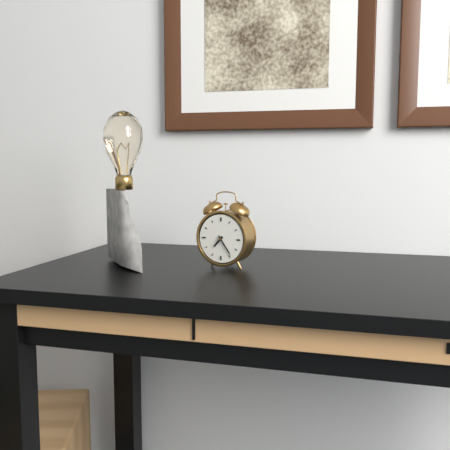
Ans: 7:24
